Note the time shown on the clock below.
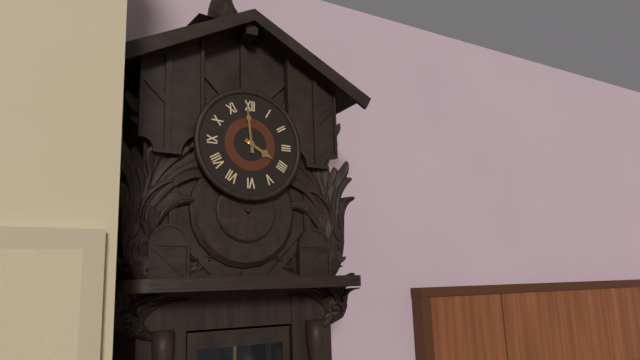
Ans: 3:59
